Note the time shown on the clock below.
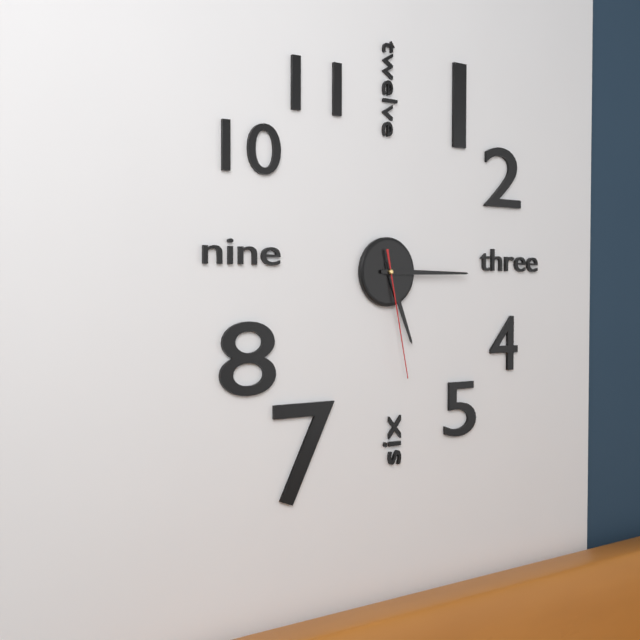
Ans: 5:15:28
